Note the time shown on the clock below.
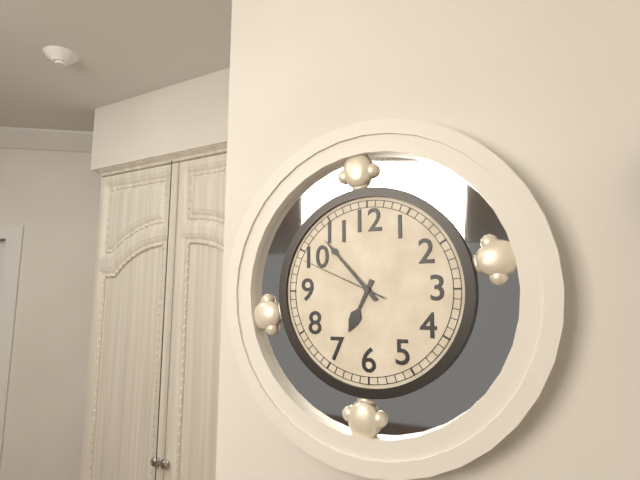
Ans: 6:53:49
